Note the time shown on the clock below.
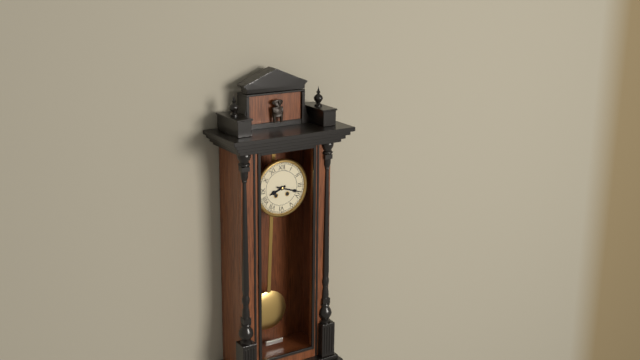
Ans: 8:18
